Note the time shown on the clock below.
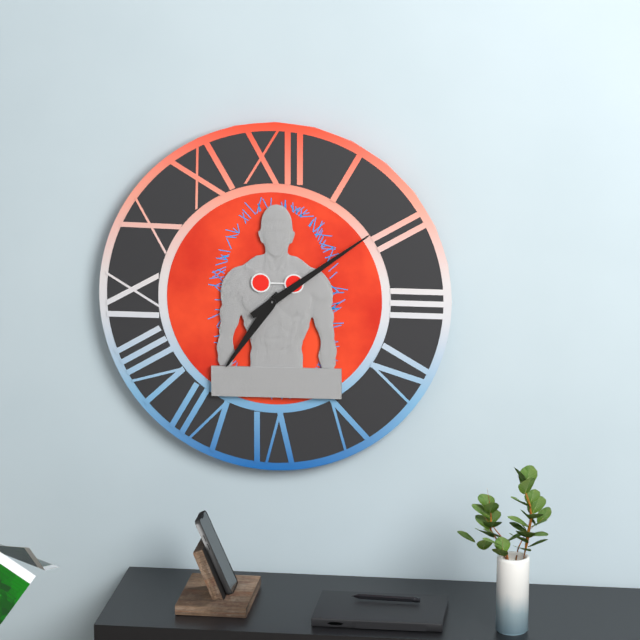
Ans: 7:09
